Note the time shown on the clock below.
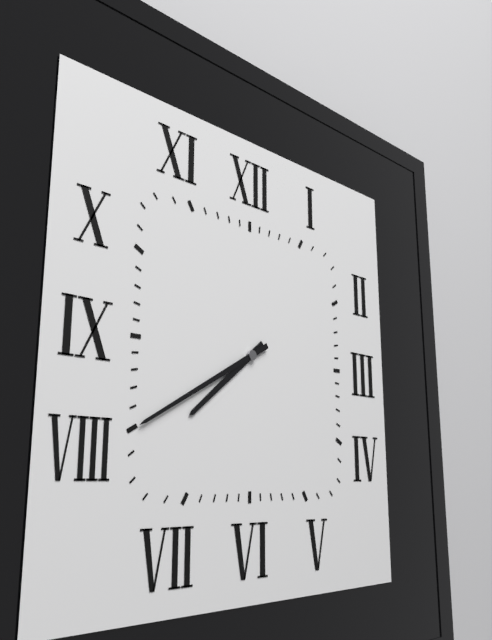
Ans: 7:40
